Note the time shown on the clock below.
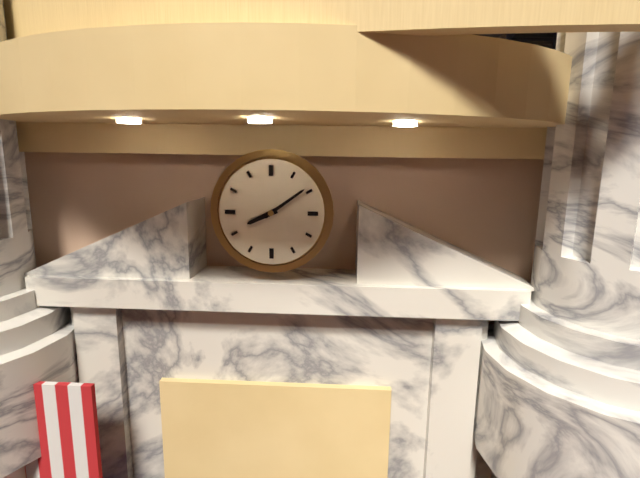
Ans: 8:09
